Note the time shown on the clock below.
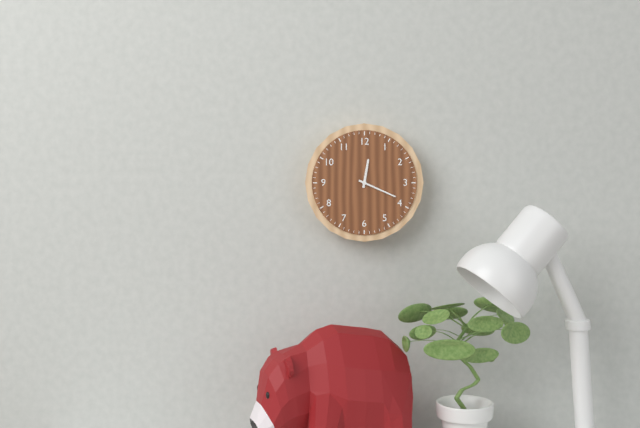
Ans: 12:19
